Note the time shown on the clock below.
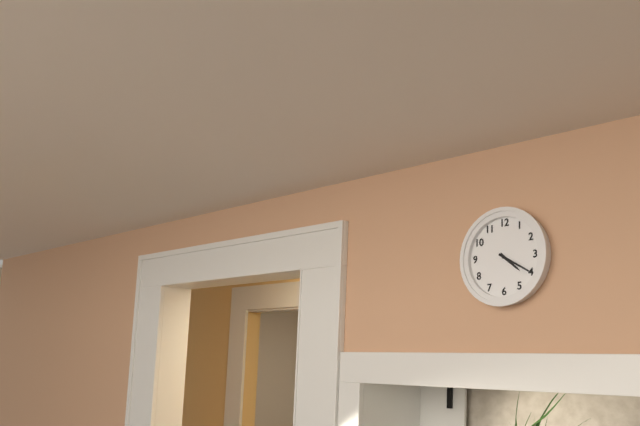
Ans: 4:20
